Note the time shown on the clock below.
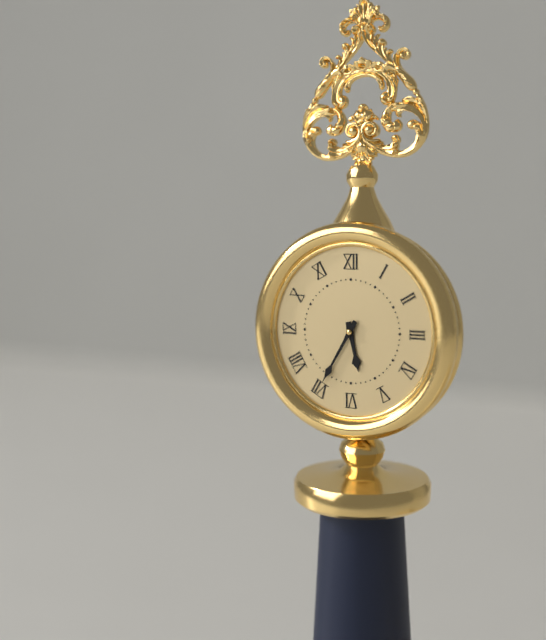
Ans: 5:35
